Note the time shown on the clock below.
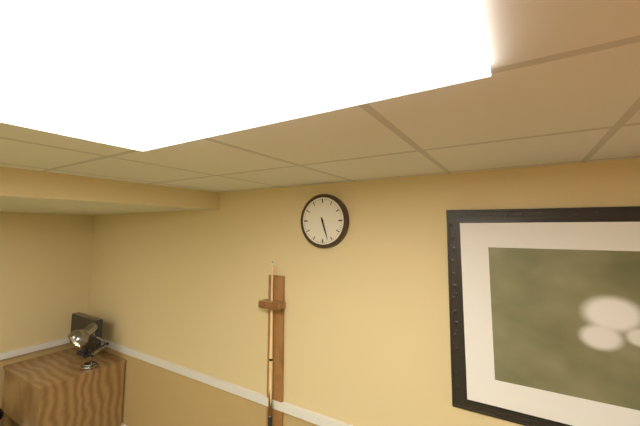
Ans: 5:27
